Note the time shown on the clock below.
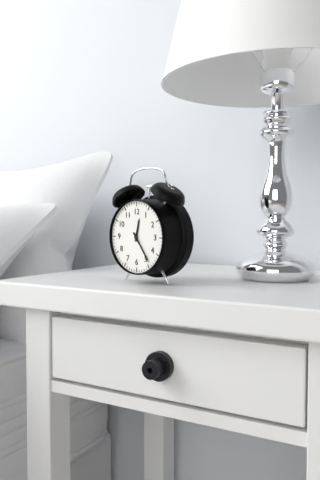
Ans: 12:24
